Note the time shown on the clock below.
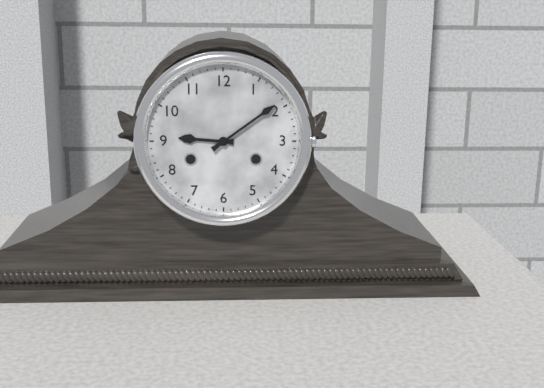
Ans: 9:09
